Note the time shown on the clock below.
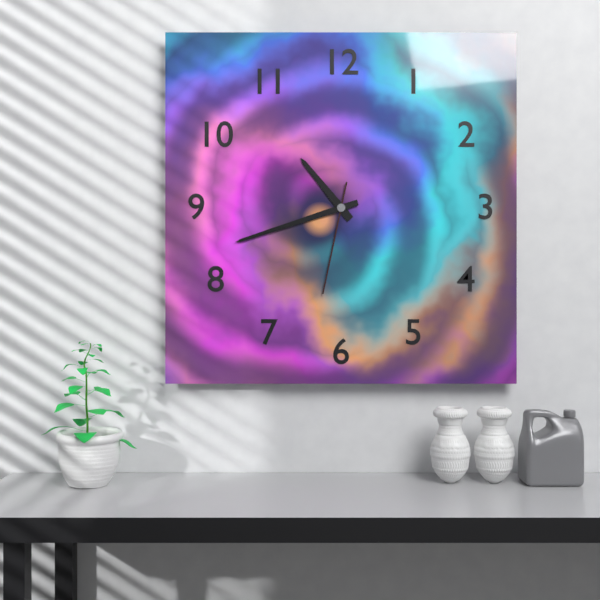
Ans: 10:42:32
